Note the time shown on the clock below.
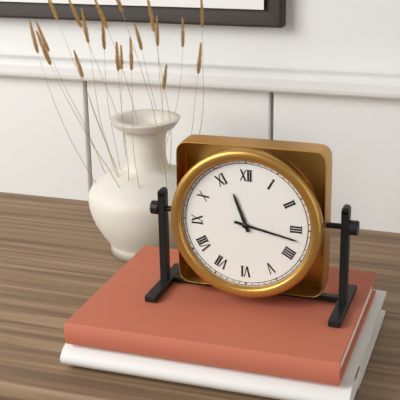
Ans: 11:17
